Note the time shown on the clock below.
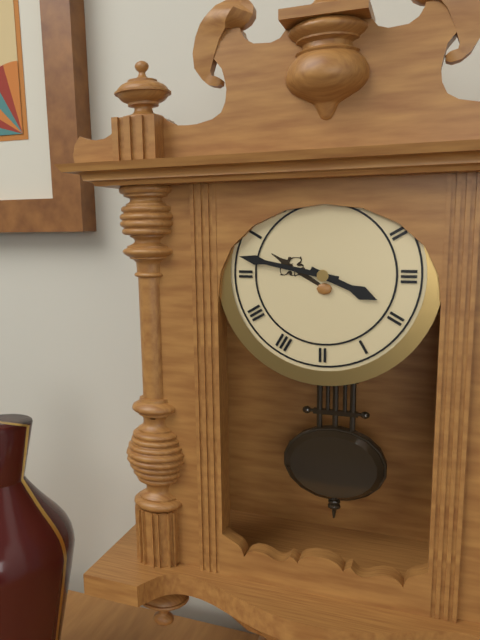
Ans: 3:47
